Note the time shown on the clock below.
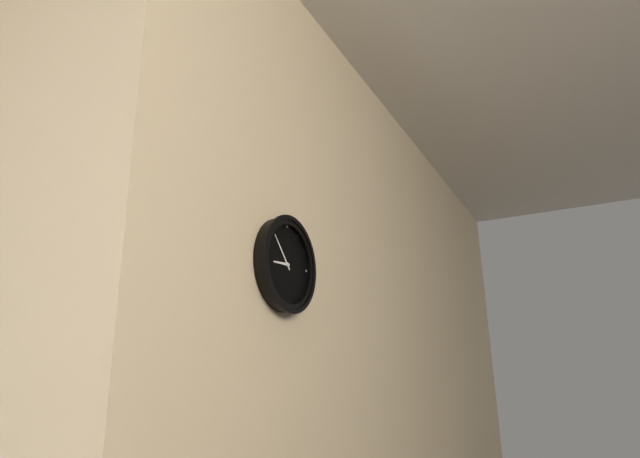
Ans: 8:53
